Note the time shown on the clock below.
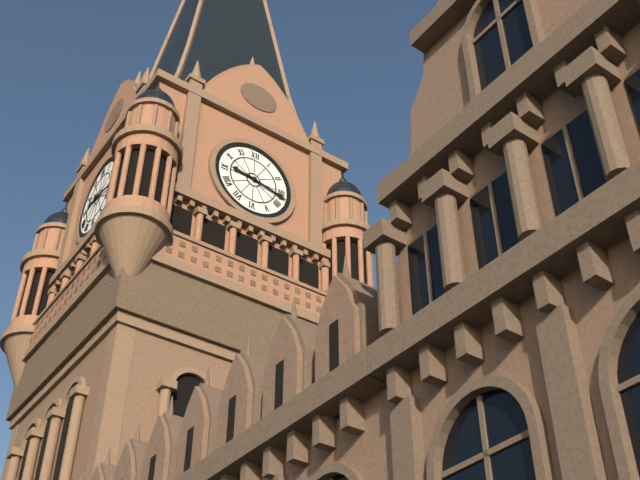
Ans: 9:17
